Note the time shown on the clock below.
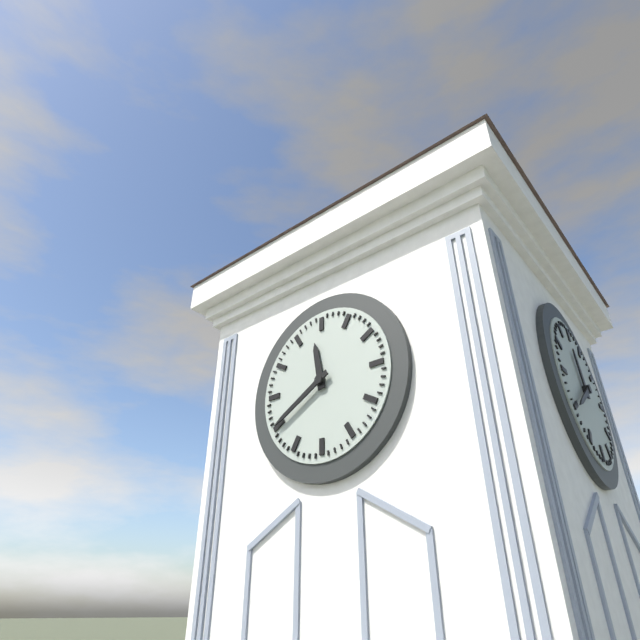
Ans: 11:40
